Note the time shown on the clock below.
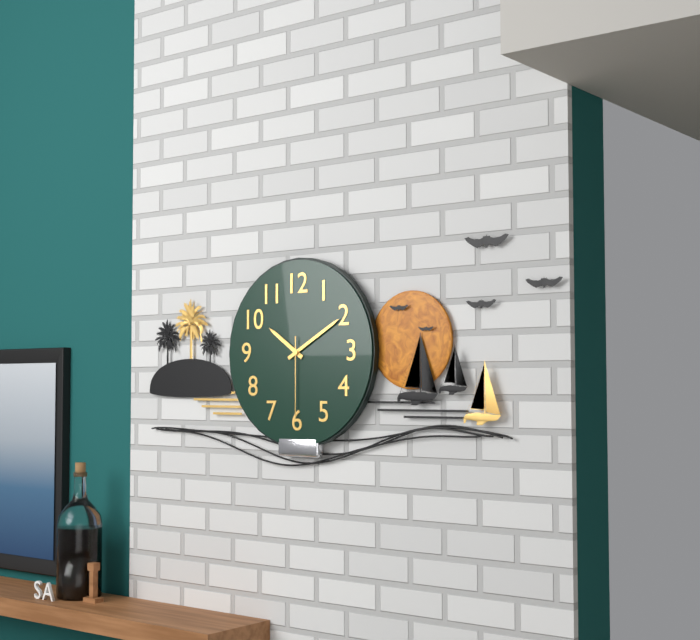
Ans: 10:10:30
